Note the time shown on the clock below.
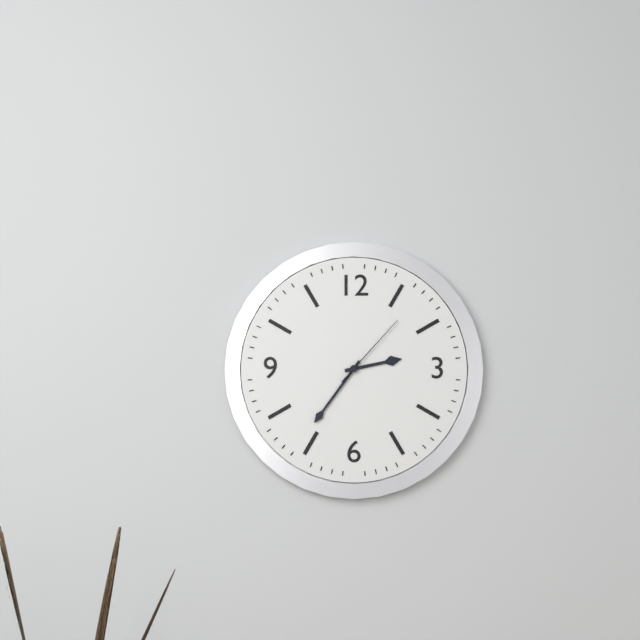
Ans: 2:36:07
